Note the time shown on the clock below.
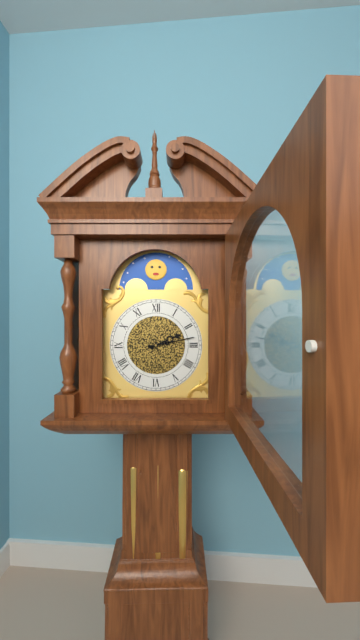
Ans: 2:13
